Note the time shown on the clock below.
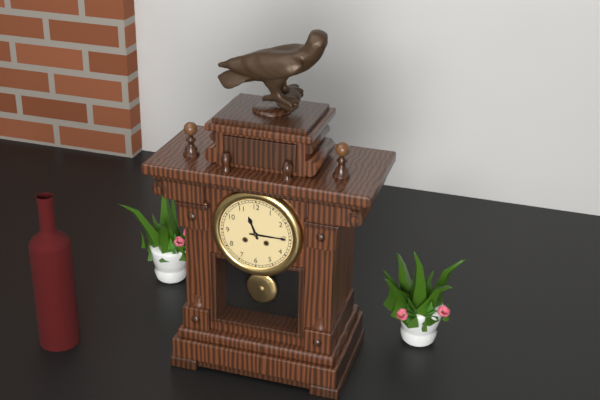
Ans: 11:15
